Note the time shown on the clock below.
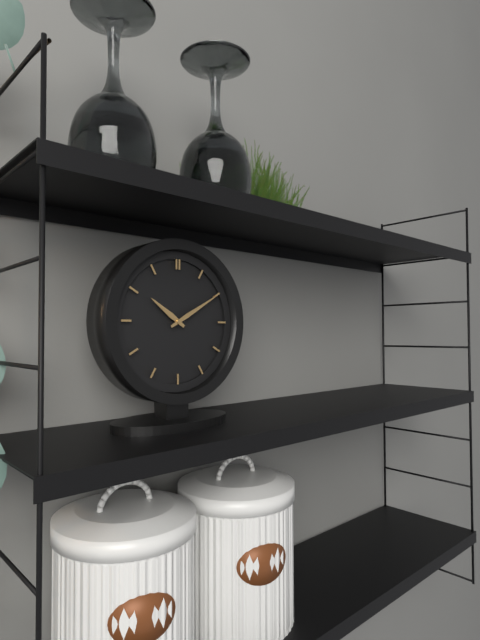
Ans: 10:10
